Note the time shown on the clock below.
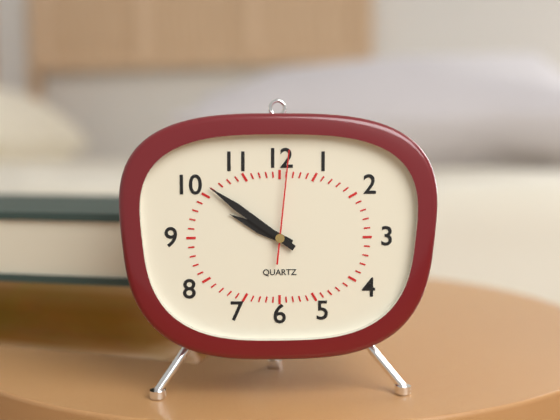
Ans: 9:51:01
